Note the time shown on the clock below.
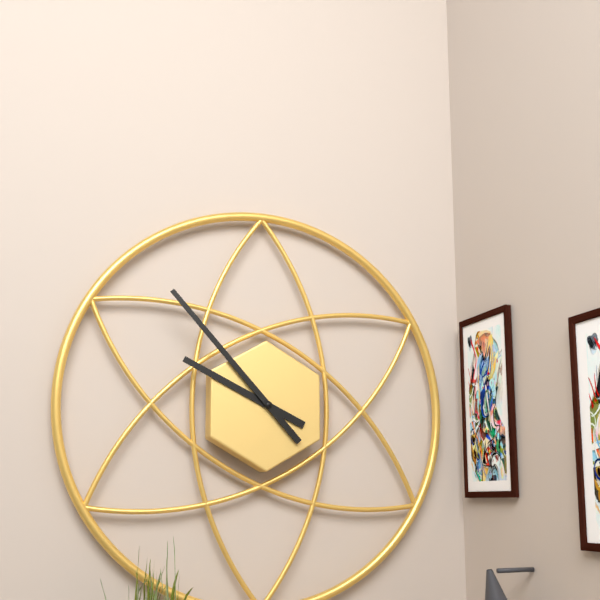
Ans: 9:53
